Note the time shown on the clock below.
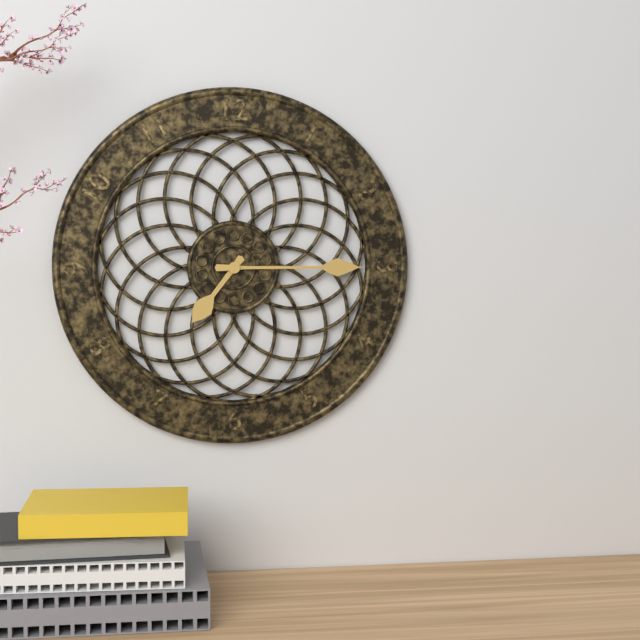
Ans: 7:15
